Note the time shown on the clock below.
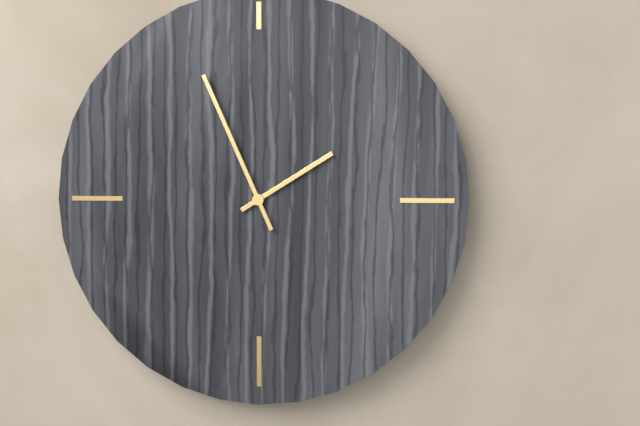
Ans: 1:56
